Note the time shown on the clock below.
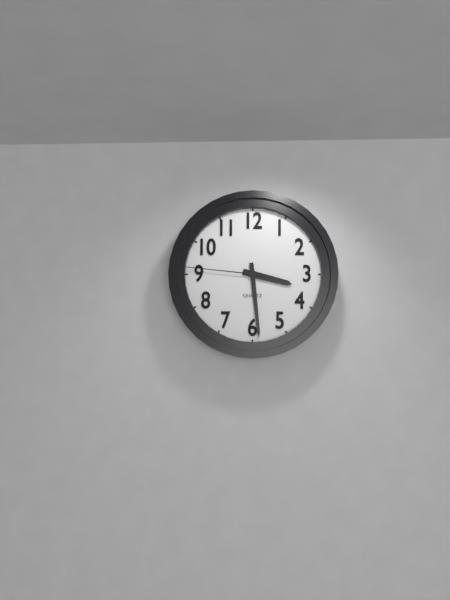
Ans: 3:29:46
